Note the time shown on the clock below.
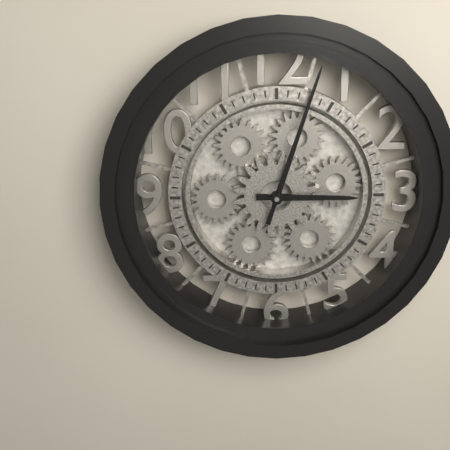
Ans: 3:03
